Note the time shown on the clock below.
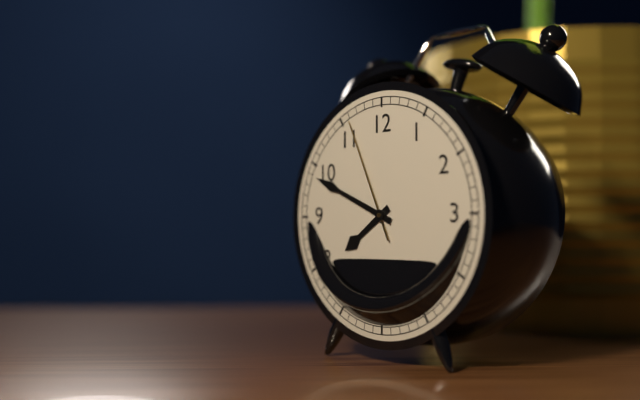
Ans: 7:49:56
